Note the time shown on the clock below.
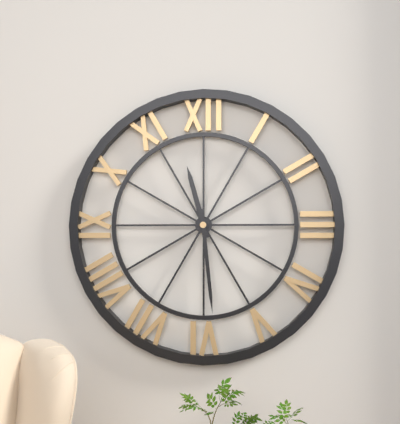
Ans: 11:29
